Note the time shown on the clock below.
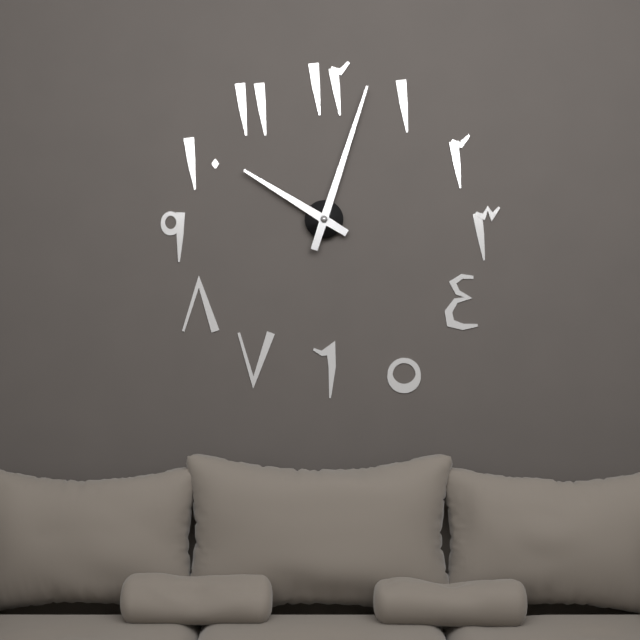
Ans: 10:03
